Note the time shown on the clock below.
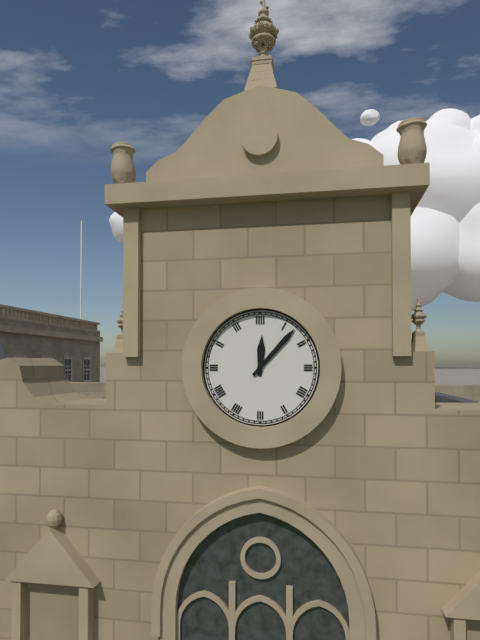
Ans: 12:07
